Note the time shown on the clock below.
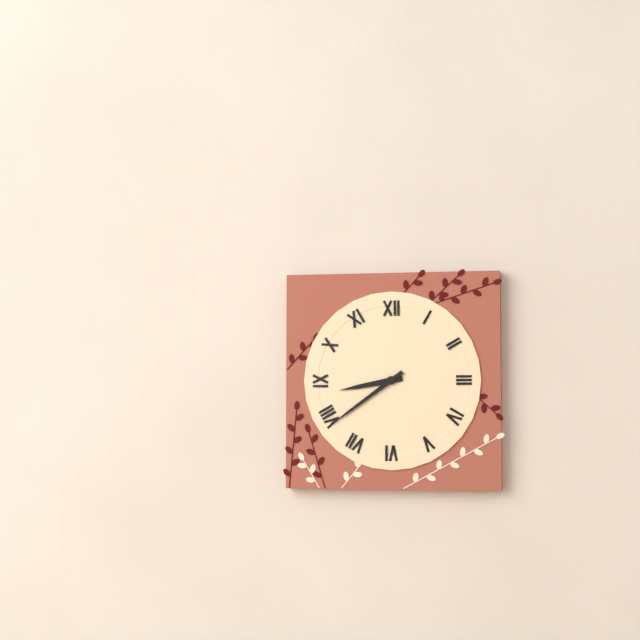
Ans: 8:39
